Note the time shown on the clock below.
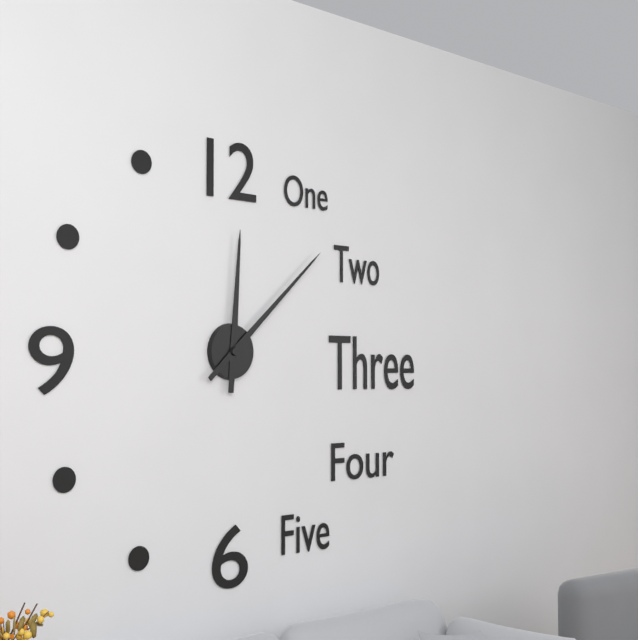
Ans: 12:08
